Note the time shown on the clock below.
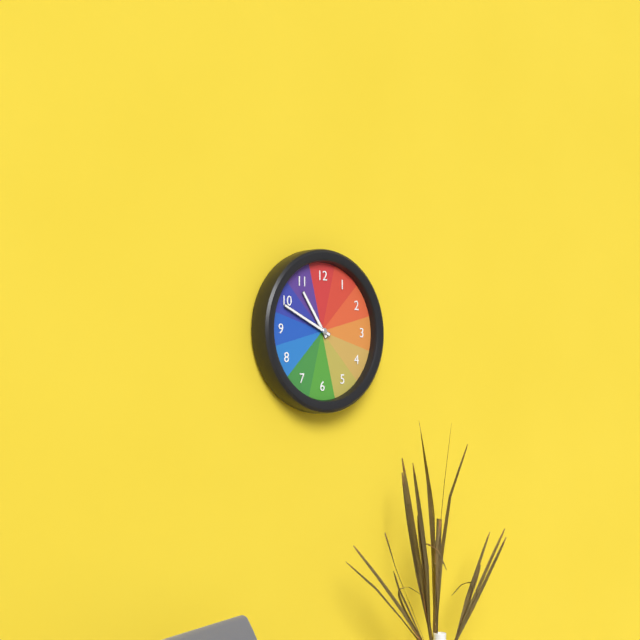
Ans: 10:49
